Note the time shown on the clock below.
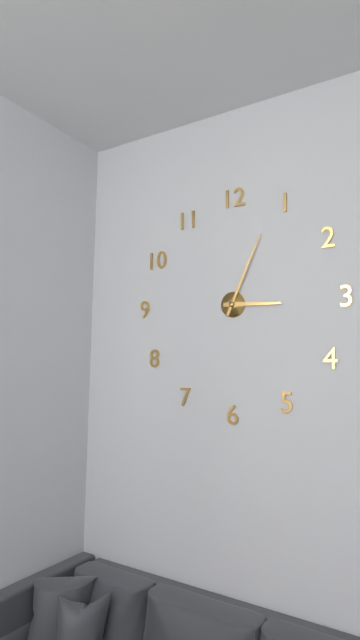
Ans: 3:04
